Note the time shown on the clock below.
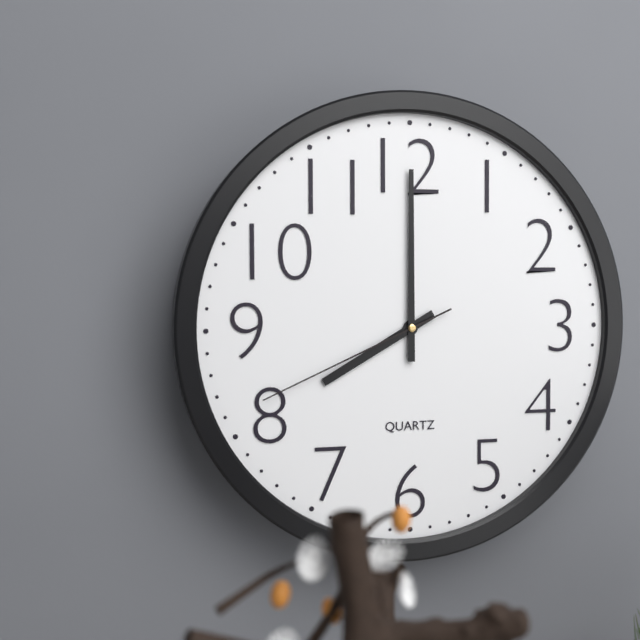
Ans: 8:00:41
